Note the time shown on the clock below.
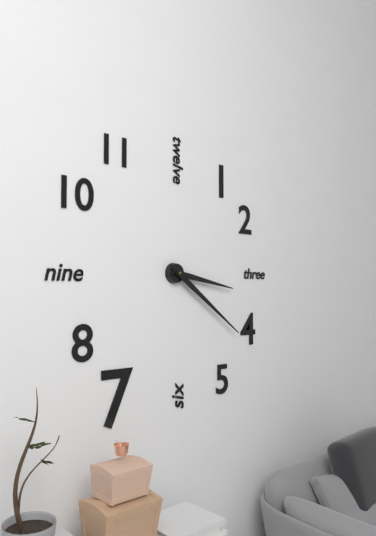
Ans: 3:21
